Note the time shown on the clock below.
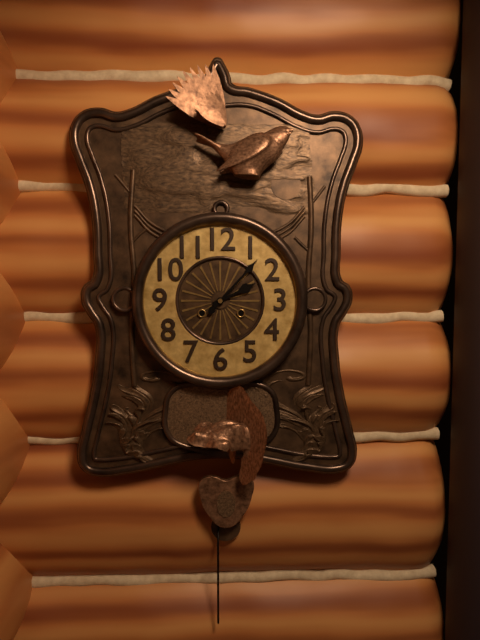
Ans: 2:07
